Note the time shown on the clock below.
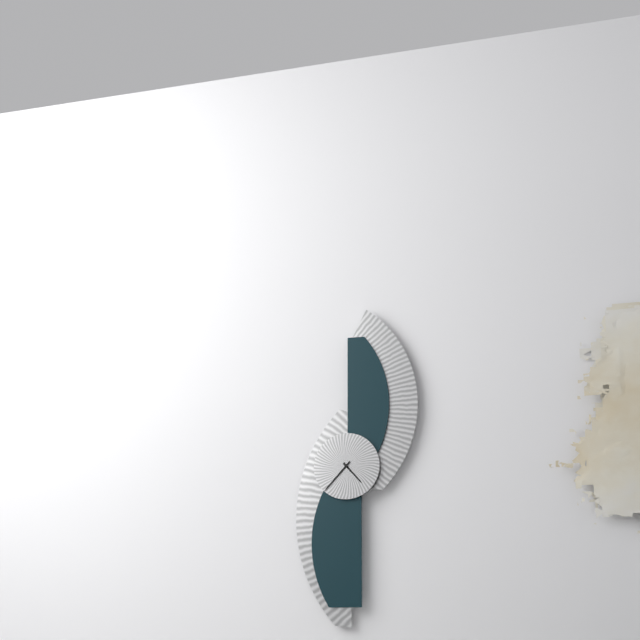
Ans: 4:37
